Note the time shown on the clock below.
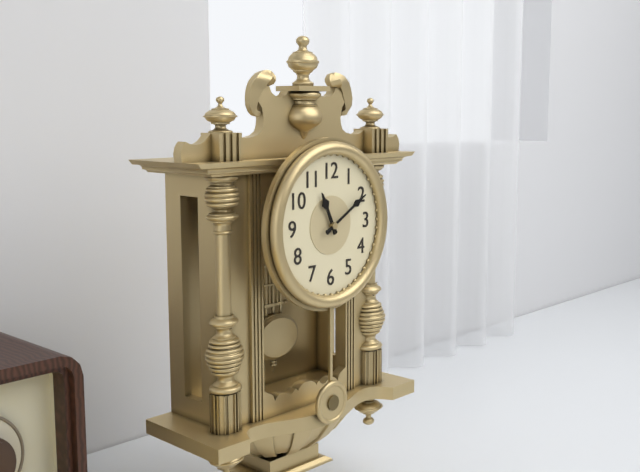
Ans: 11:10
